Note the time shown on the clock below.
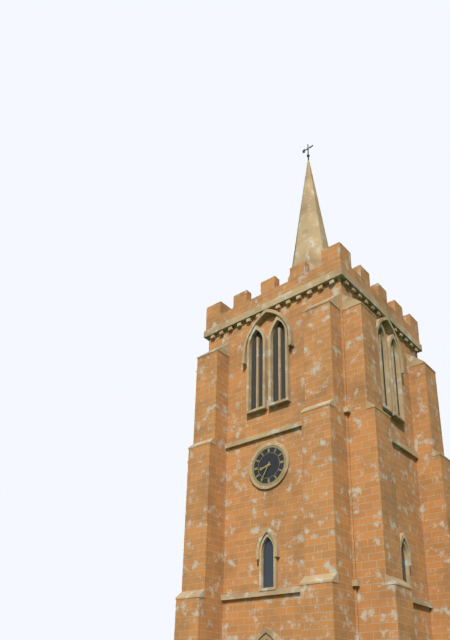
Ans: 8:35
